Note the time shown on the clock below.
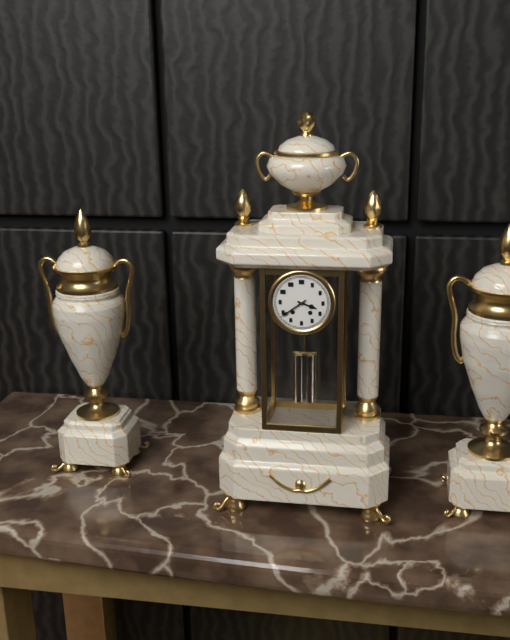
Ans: 3:39
